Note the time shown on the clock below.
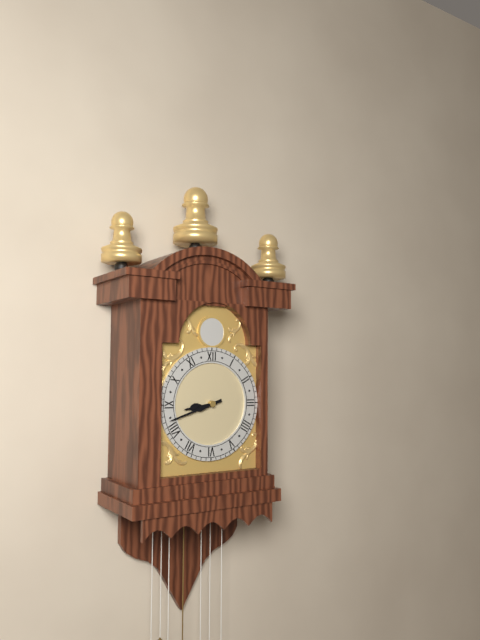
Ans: 8:42
